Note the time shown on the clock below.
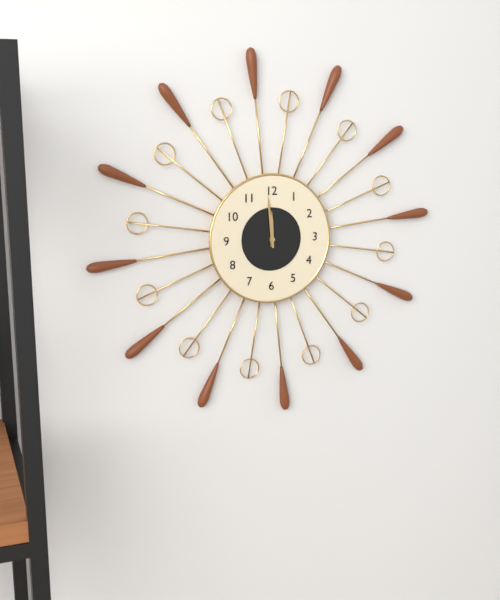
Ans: 11:59
